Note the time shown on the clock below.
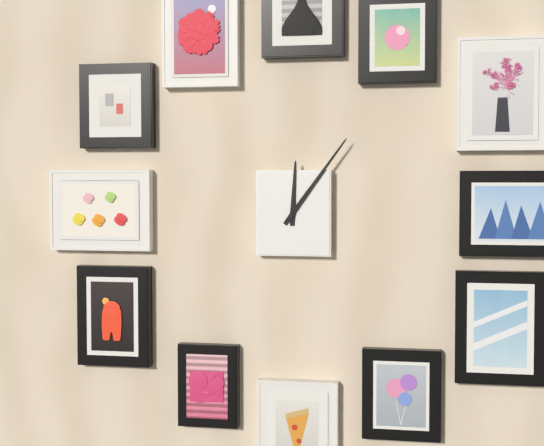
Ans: 12:06
